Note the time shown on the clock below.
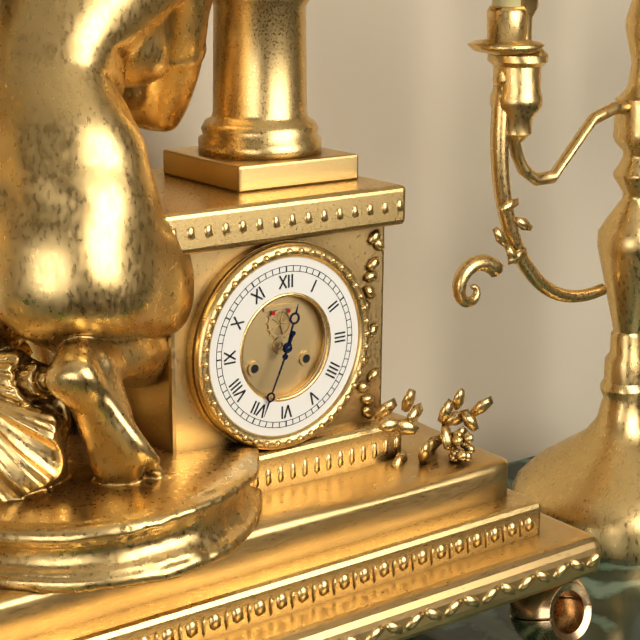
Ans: 12:34
